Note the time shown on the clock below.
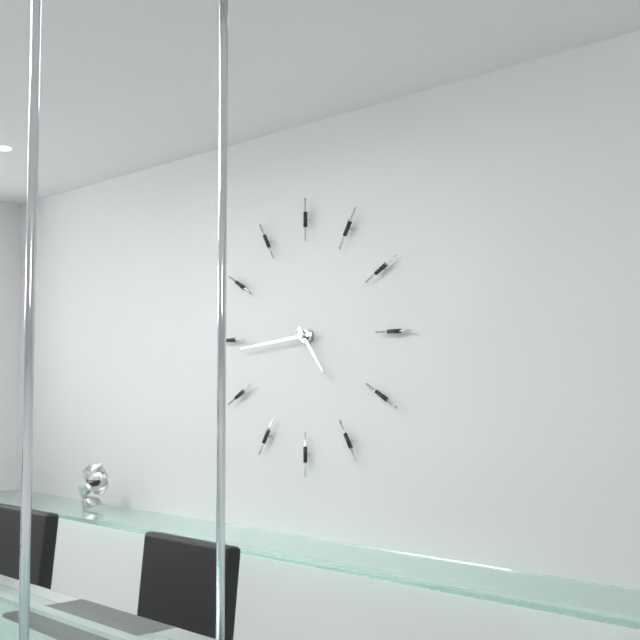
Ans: 4:44
